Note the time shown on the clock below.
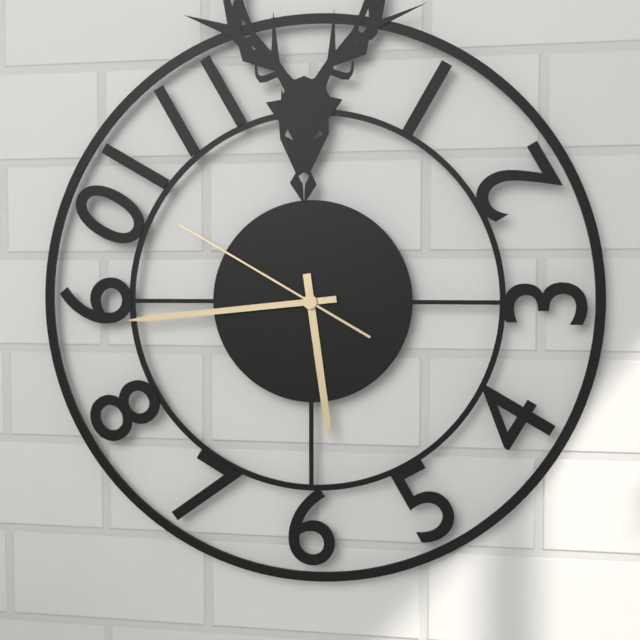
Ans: 5:44:50
